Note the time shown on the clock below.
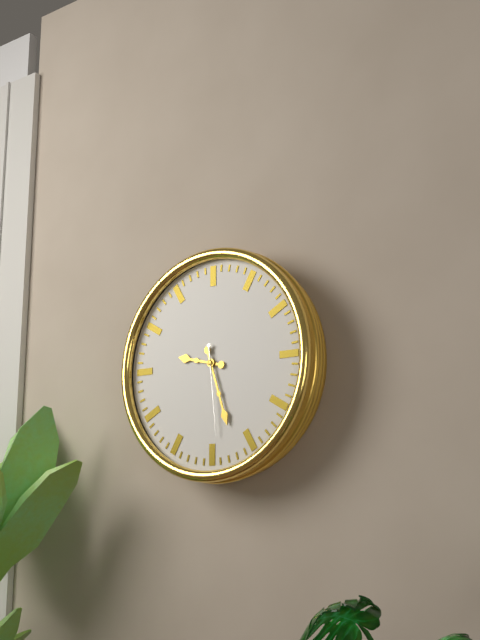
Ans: 9:27:29
